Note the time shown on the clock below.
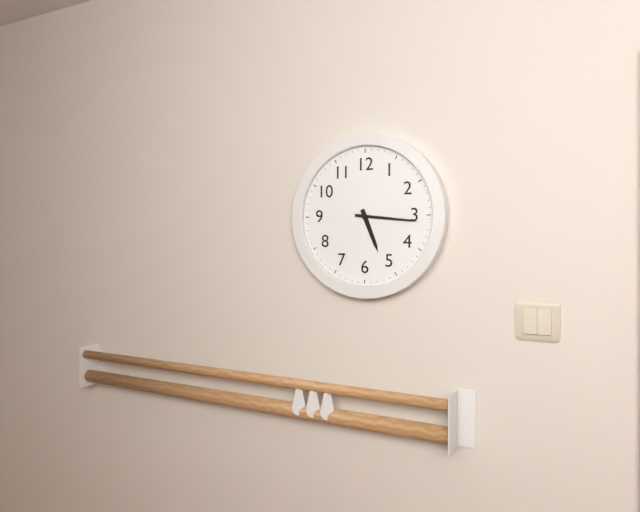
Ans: 5:16
